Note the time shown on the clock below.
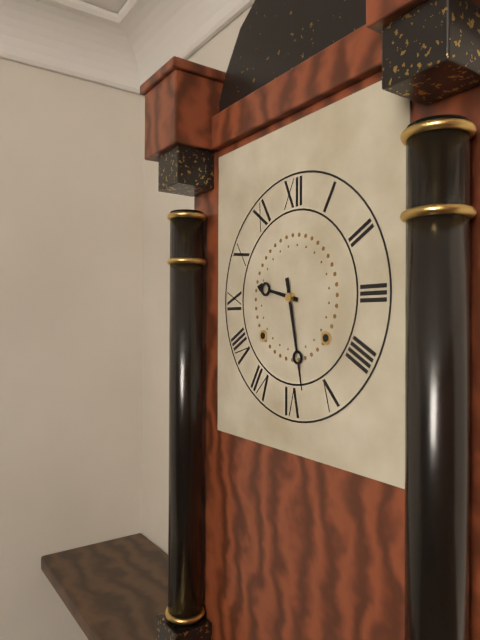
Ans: 9:28
